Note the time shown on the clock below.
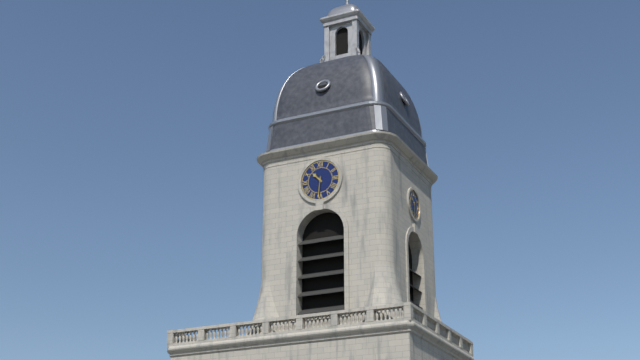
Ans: 10:31
